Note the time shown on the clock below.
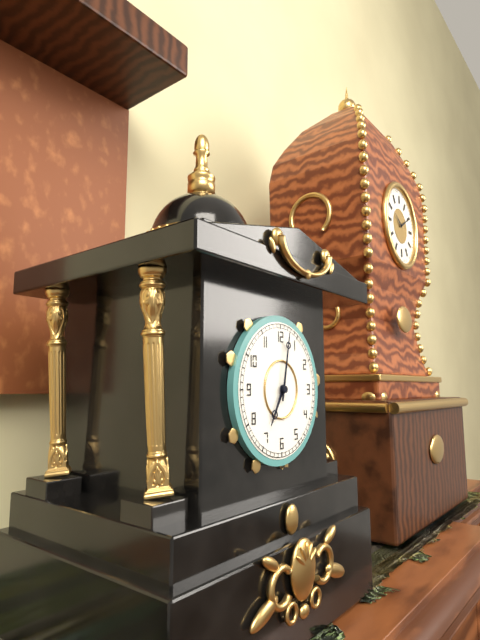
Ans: 7:02
